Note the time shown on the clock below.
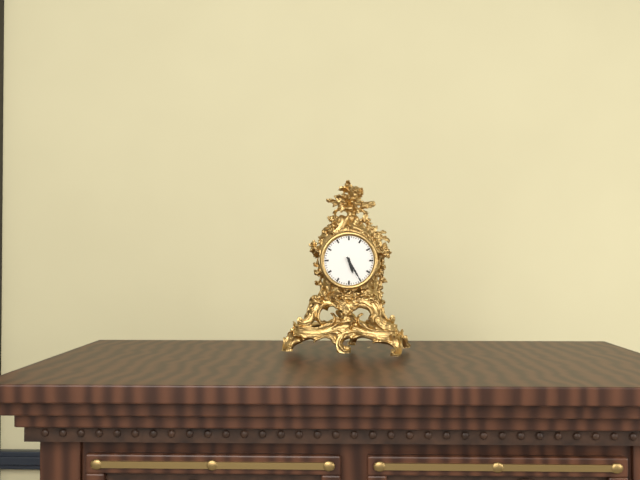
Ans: 5:25
